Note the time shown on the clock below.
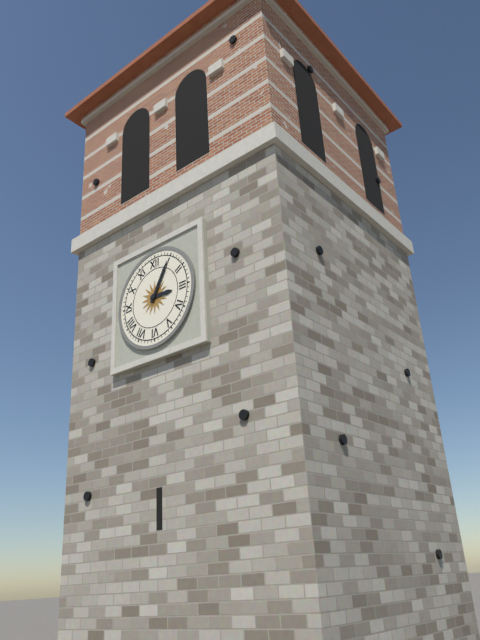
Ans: 3:05
